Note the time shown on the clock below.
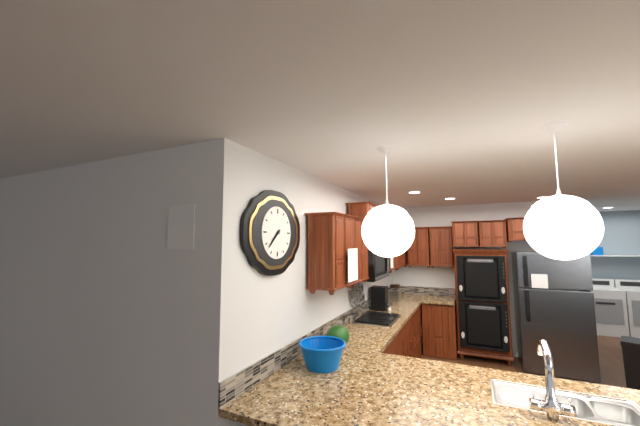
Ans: 7:38
